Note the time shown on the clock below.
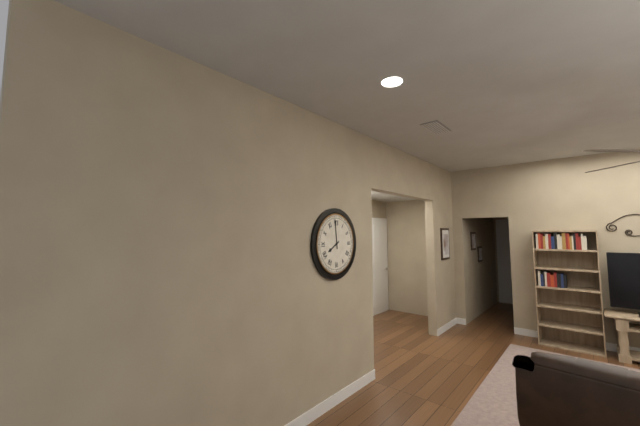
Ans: 7:59
